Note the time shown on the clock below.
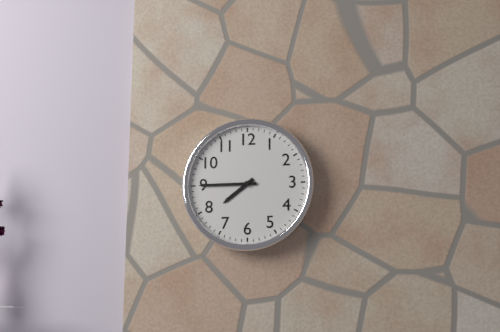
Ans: 7:45
